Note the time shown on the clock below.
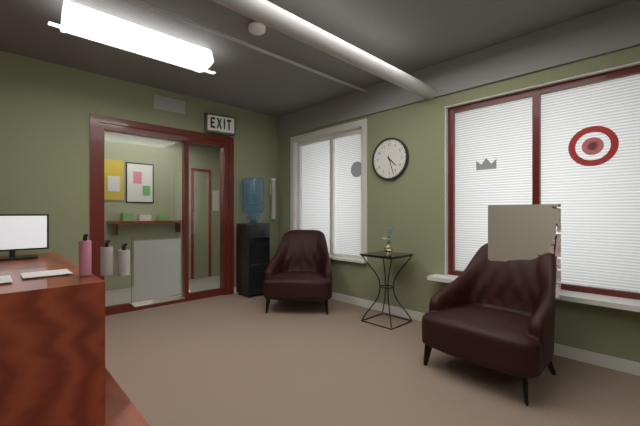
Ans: 4:27
